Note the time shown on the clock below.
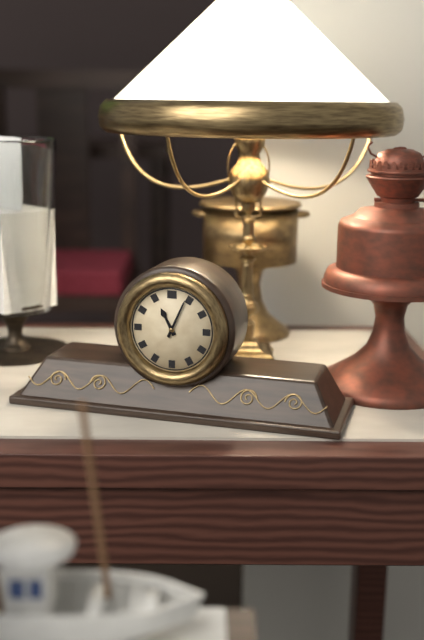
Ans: 11:04
